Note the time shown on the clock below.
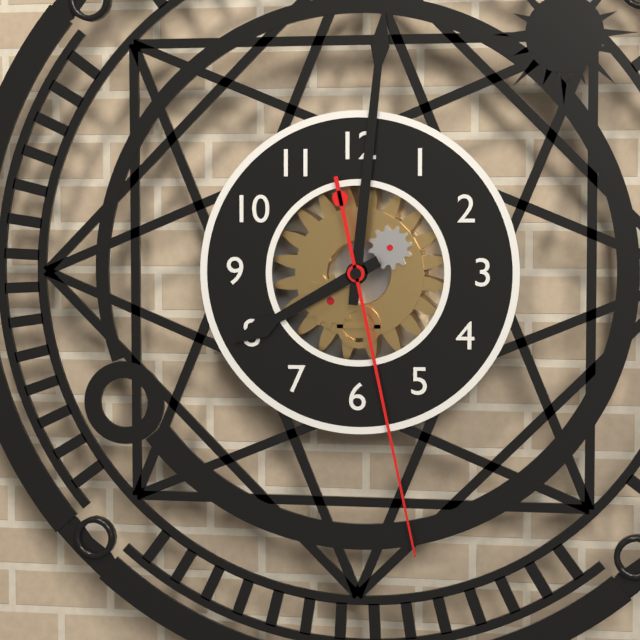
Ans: 8:01:28
